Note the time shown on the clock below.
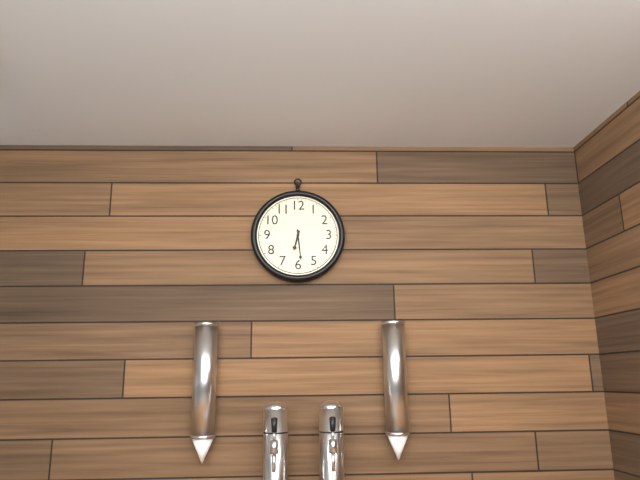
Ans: 6:29
